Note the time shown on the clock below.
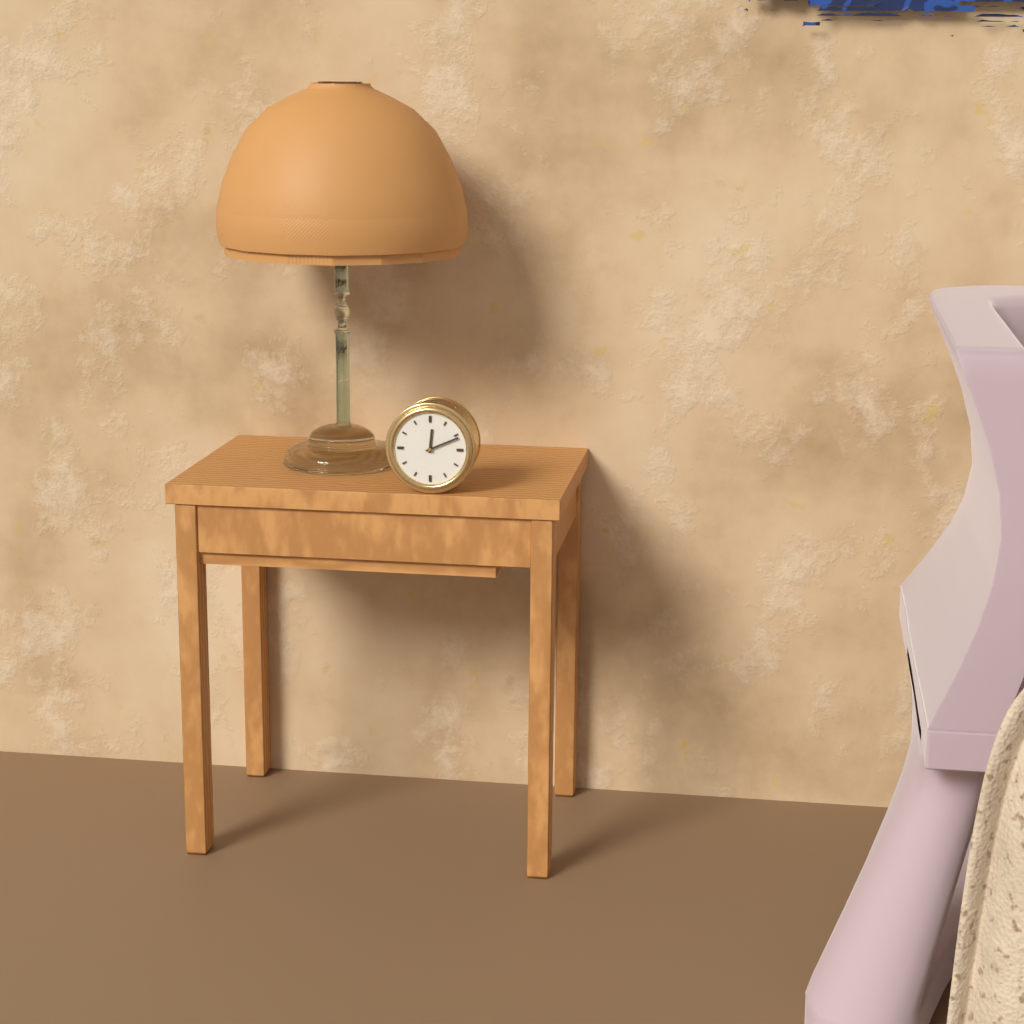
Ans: 12:11
